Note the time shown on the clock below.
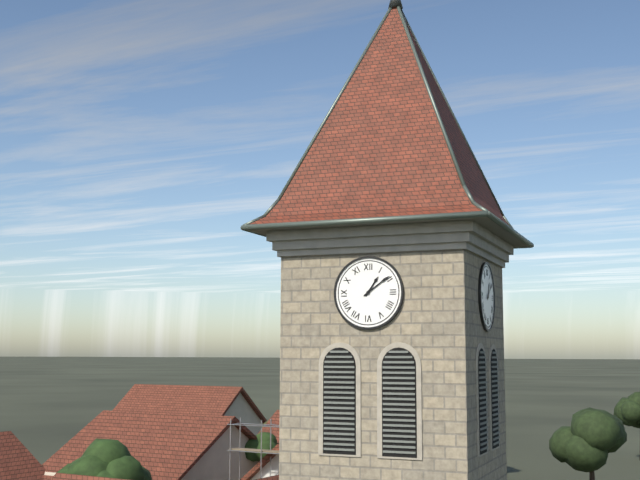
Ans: 1:09
